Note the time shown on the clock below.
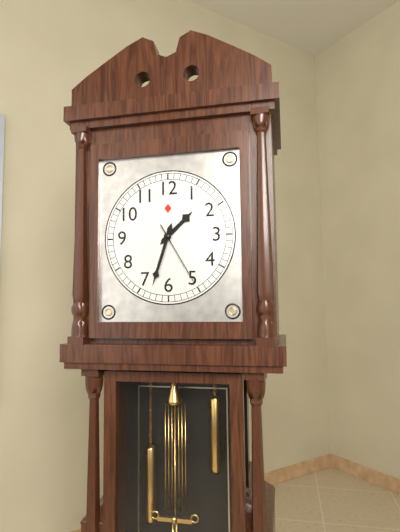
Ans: 1:33:25
